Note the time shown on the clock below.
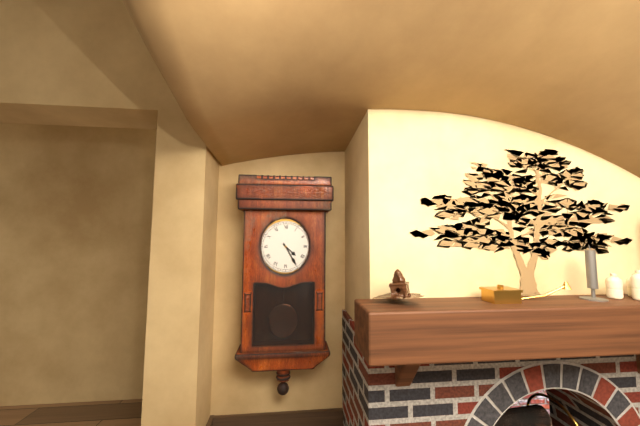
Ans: 4:25
